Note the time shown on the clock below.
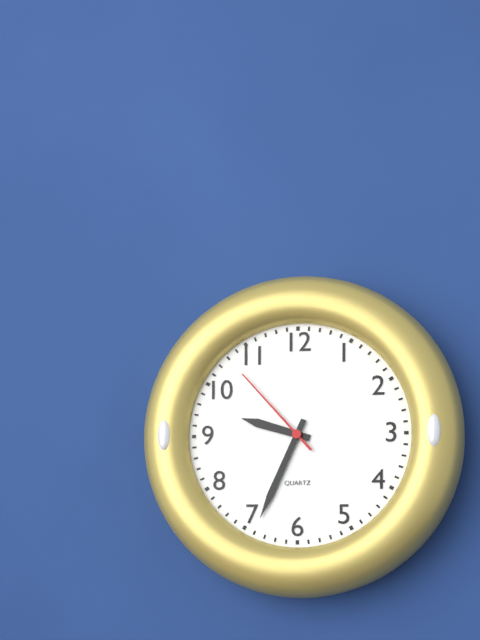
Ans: 9:34:53
